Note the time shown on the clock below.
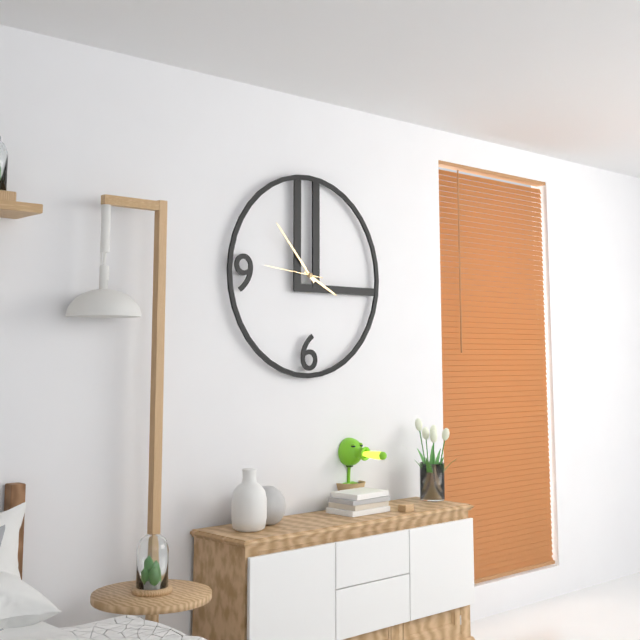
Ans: 3:53:46
